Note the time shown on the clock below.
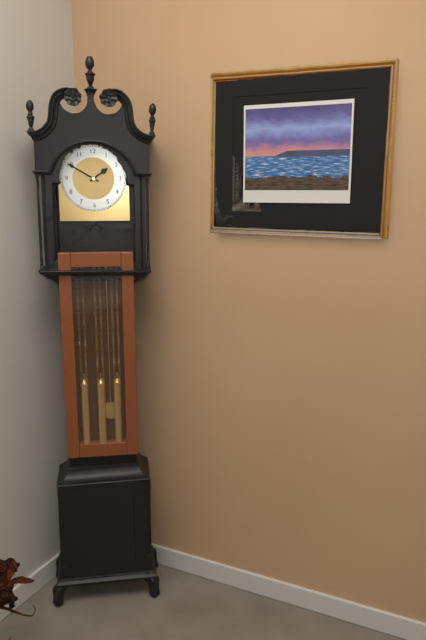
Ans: 1:50
